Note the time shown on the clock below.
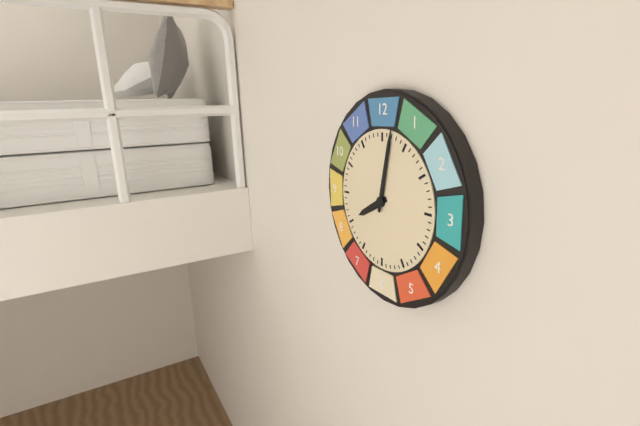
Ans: 8:02
